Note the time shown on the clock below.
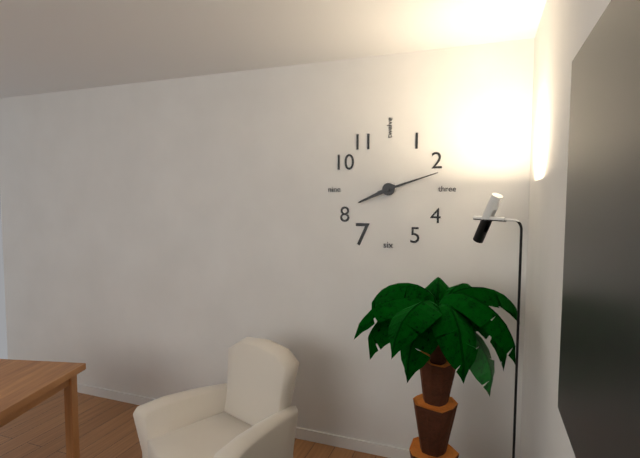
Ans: 8:12
